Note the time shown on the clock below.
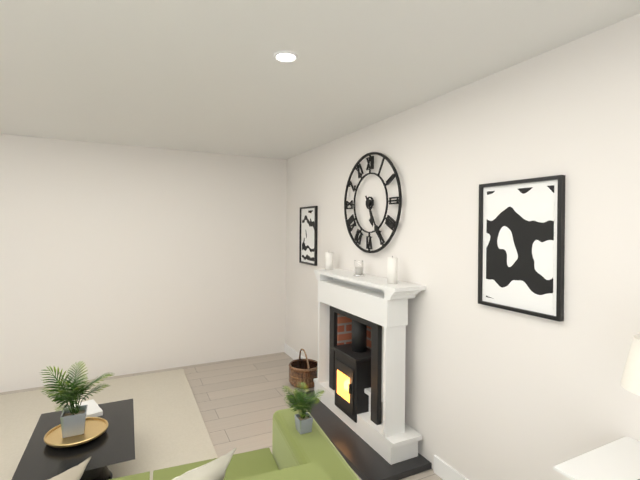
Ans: 5:25
